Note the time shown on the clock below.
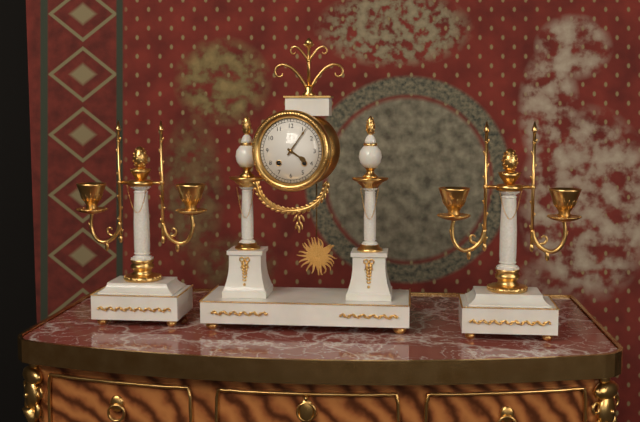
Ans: 4:06
